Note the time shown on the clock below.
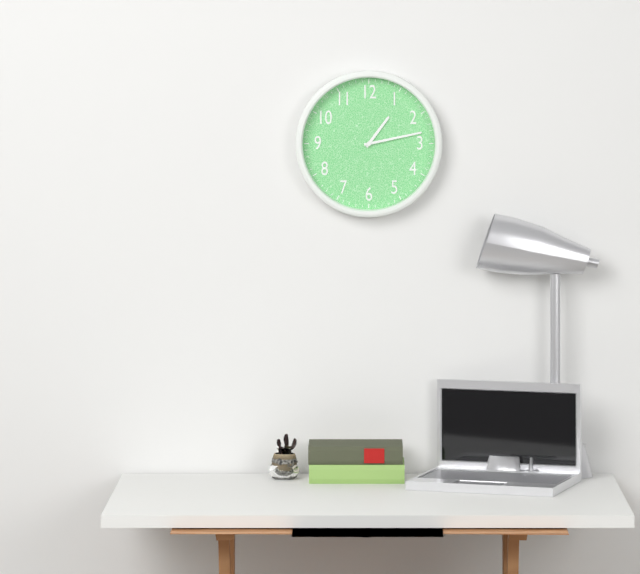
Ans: 1:13
